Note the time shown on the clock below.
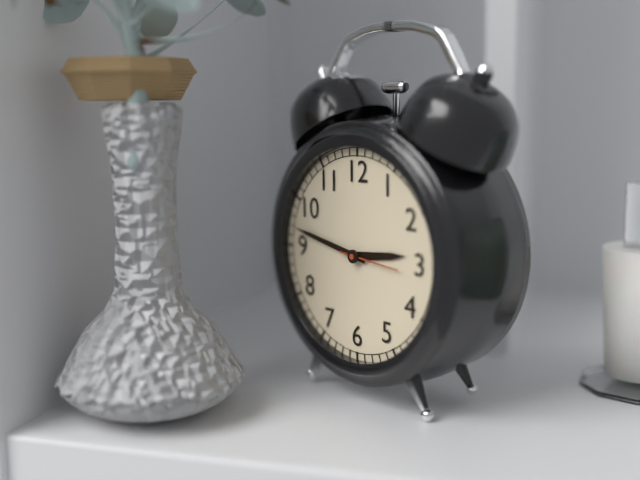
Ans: 2:47:16
